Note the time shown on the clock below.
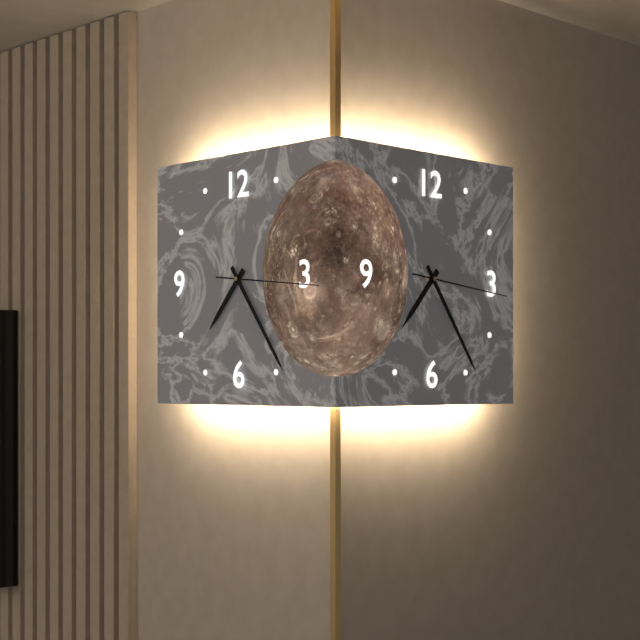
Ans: 7:24:16
